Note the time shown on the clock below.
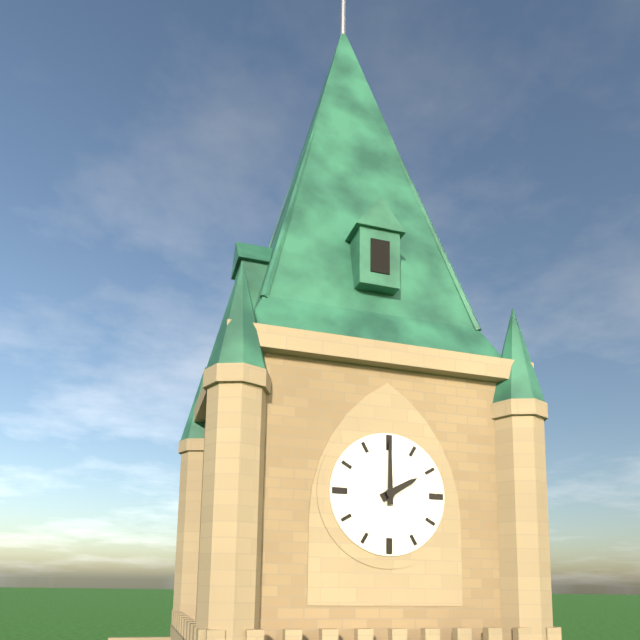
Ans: 2:00
